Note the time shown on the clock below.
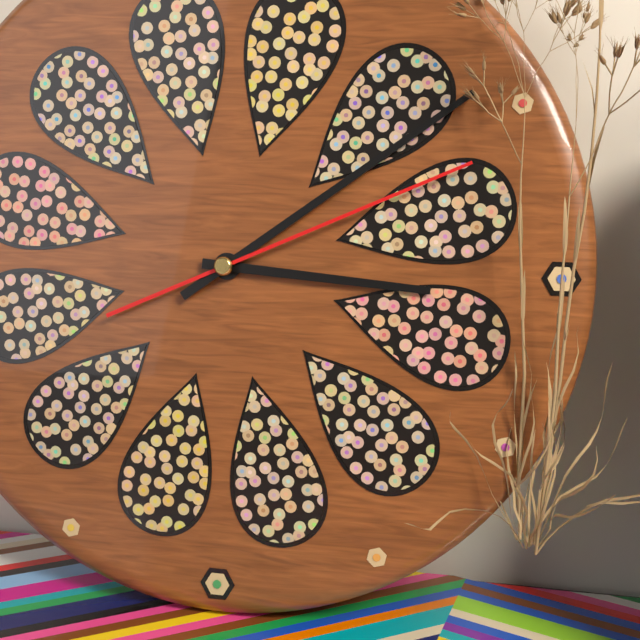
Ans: 3:09:11
